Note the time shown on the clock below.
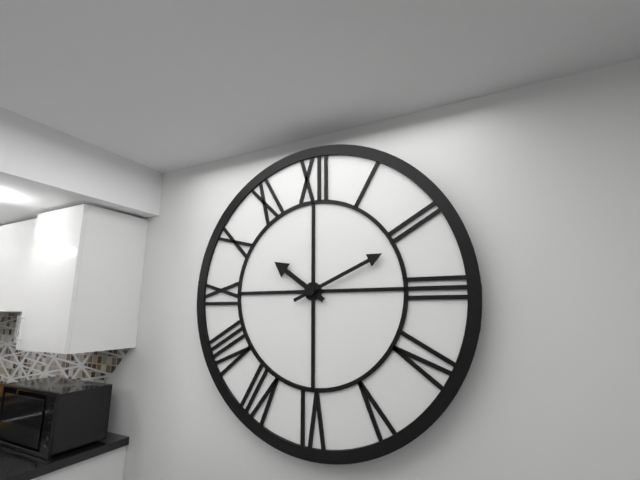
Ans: 10:11
